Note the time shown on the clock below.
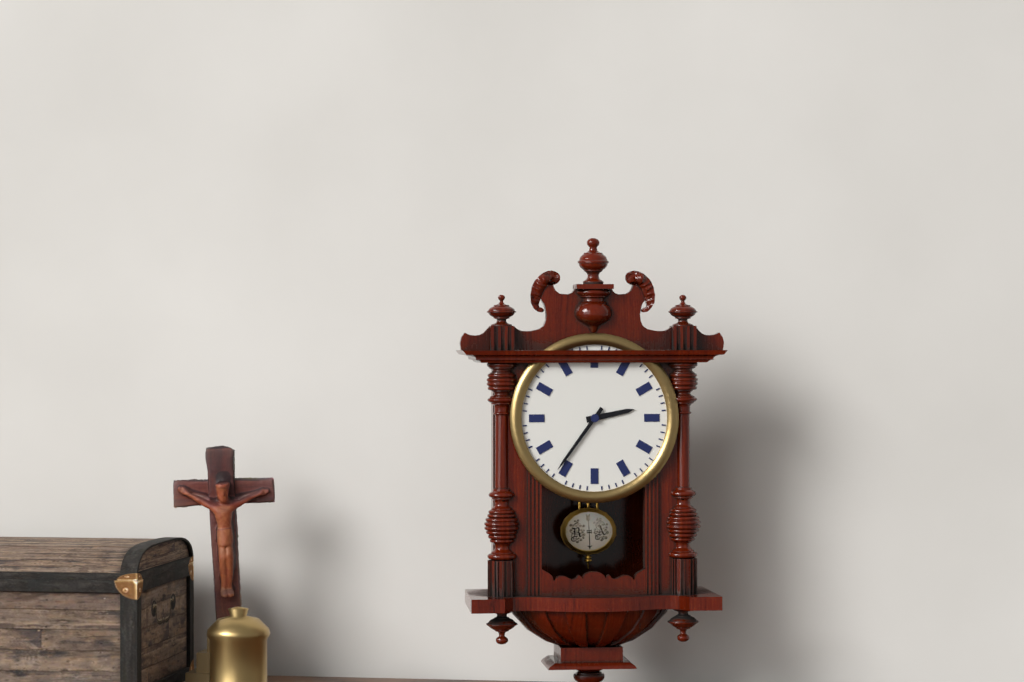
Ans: 2:36
